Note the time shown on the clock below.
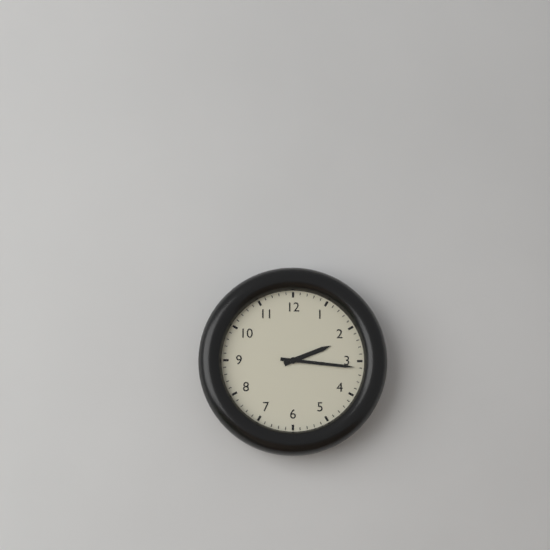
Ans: 2:16
